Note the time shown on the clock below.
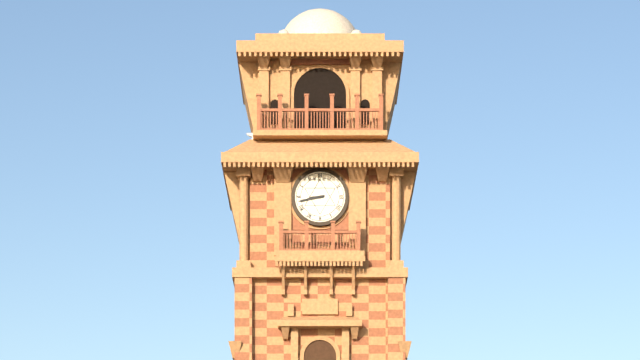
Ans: 8:43
